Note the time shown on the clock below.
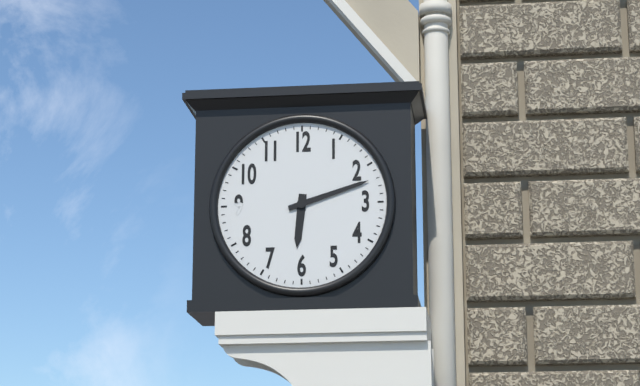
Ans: 6:12
